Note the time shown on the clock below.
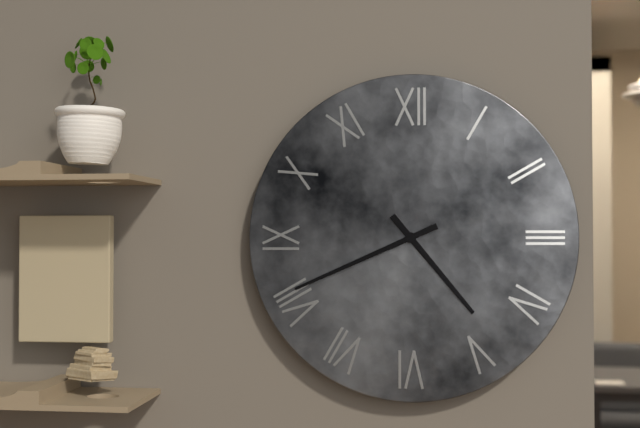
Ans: 4:41
